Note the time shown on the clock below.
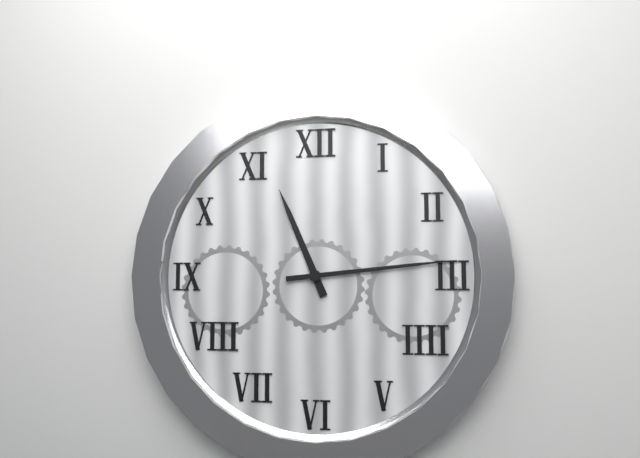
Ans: 11:14
